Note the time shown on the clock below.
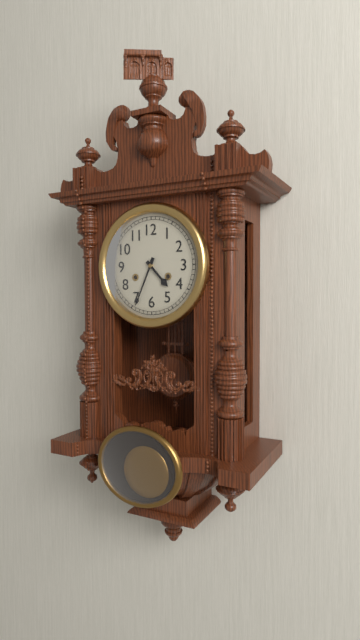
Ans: 4:34
